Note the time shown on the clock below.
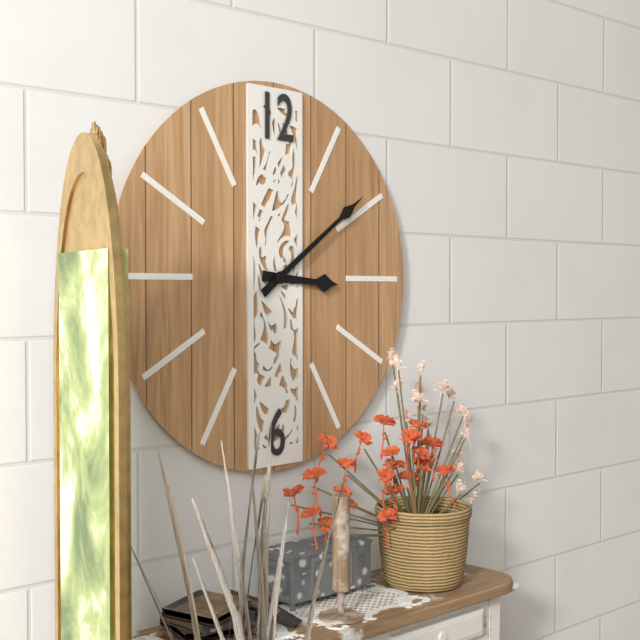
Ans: 3:09
